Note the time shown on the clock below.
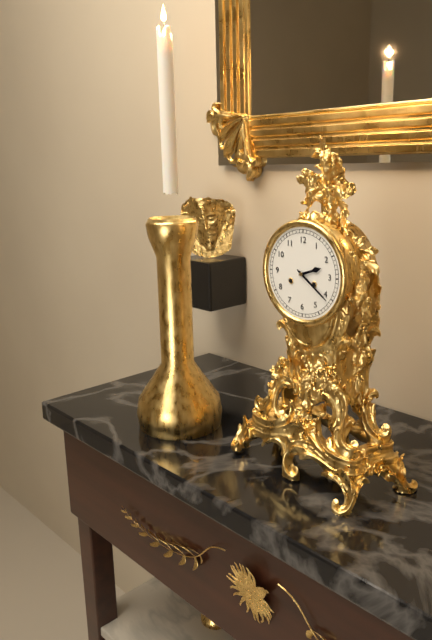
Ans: 2:21
